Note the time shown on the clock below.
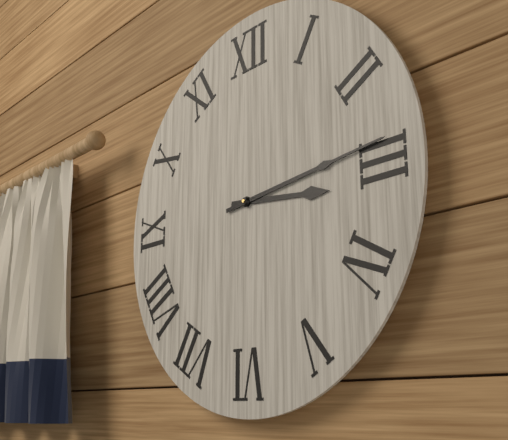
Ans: 3:14
